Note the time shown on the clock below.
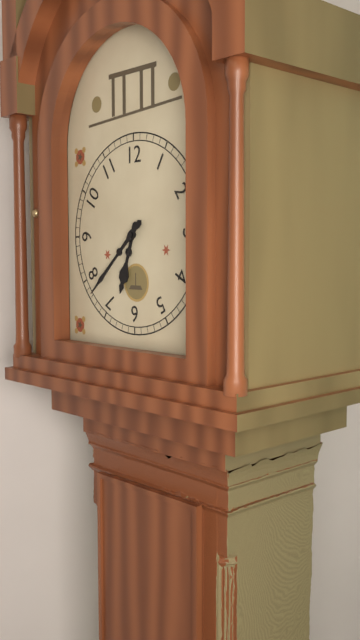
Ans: 6:38
